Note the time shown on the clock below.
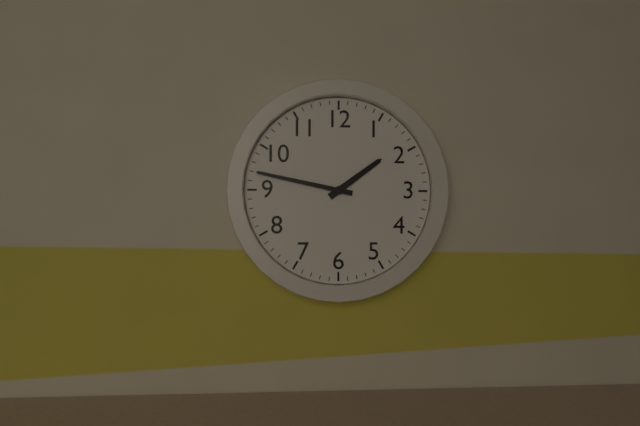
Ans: 1:47
